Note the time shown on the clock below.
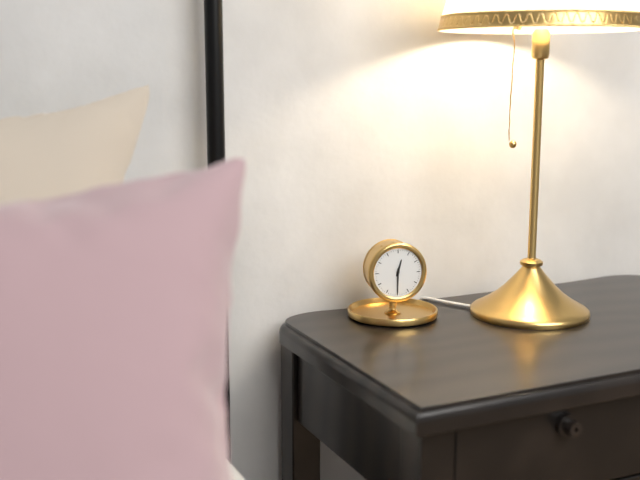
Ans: 12:30
